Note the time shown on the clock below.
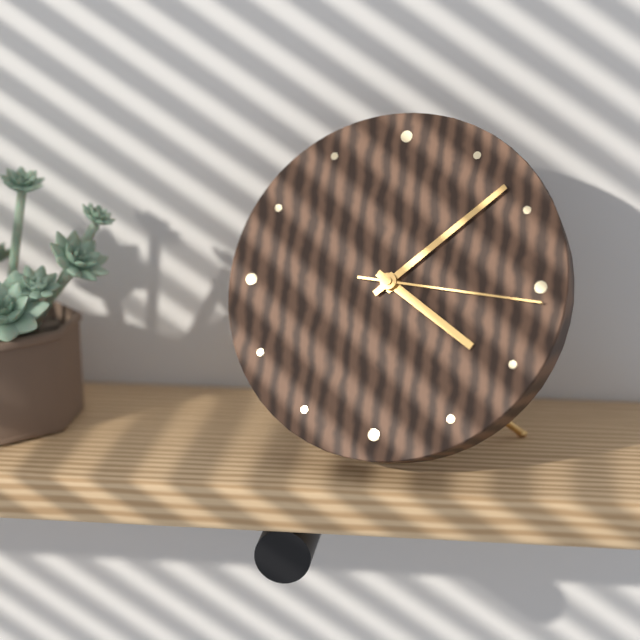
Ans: 4:08:16
